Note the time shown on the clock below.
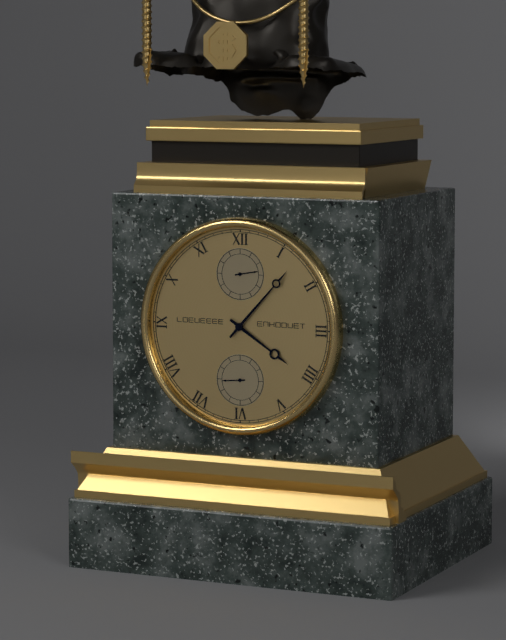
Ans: 4:07
